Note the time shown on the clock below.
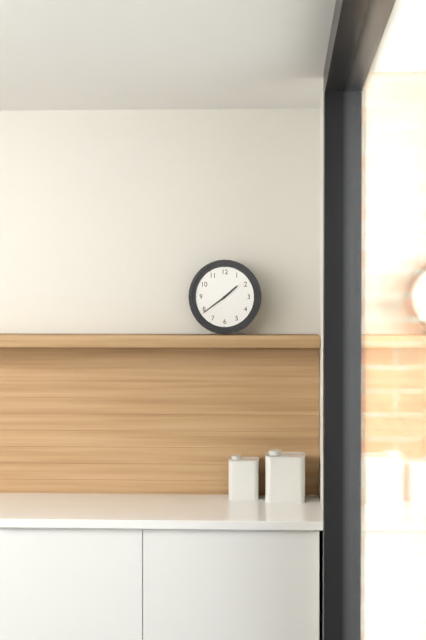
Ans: 1:39
